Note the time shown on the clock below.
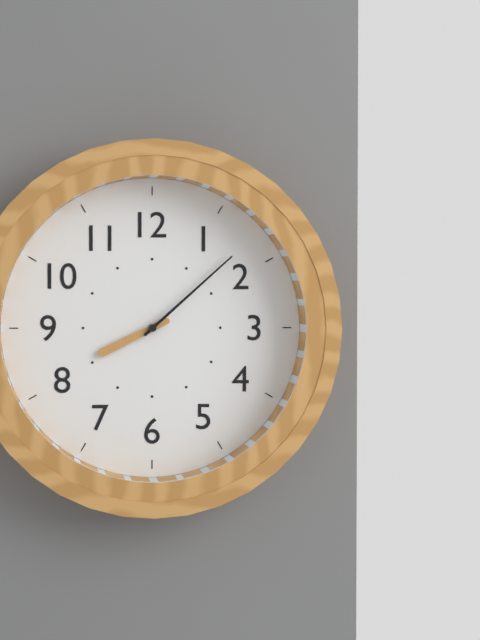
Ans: 8:08
